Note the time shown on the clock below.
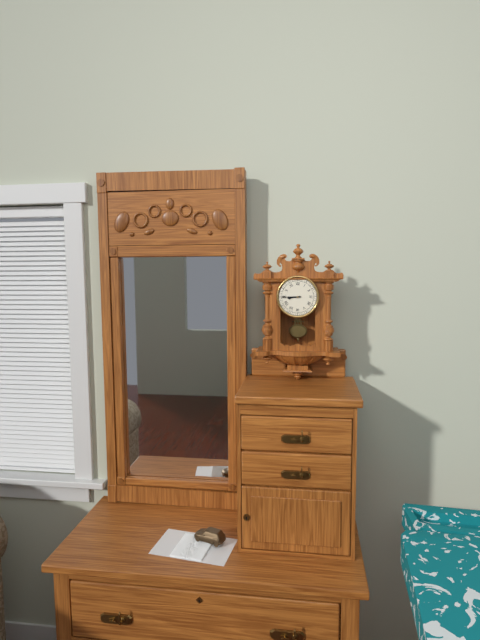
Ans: 8:45
